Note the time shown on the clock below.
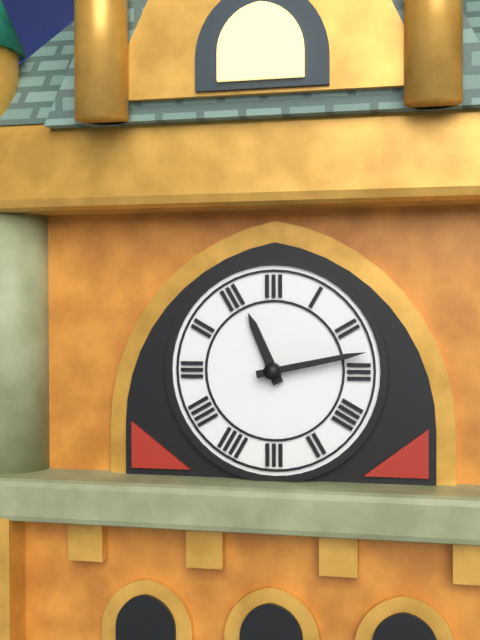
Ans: 11:13
